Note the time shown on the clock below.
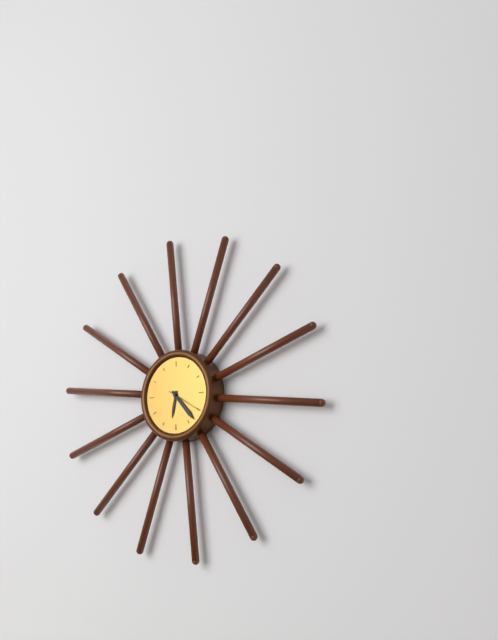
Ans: 6:23
